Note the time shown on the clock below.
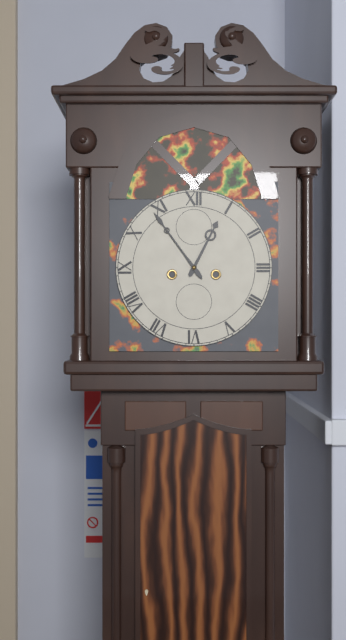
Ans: 12:54
